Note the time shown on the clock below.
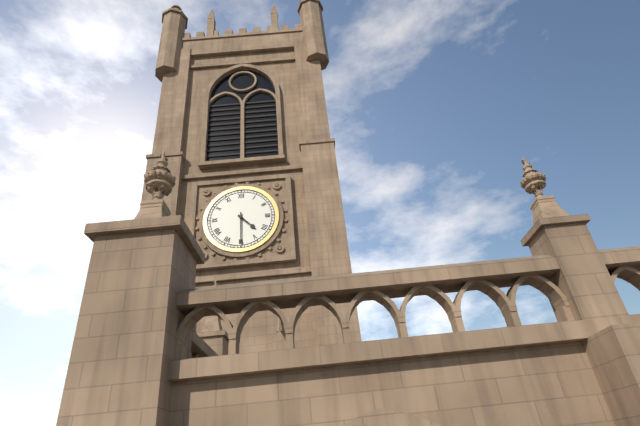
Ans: 4:30
